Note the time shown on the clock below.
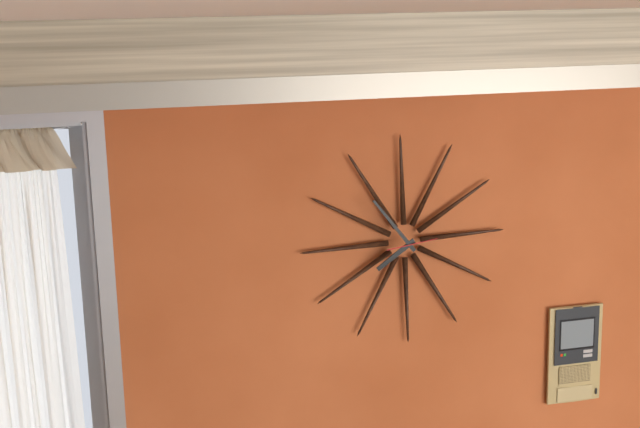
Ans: 7:54
